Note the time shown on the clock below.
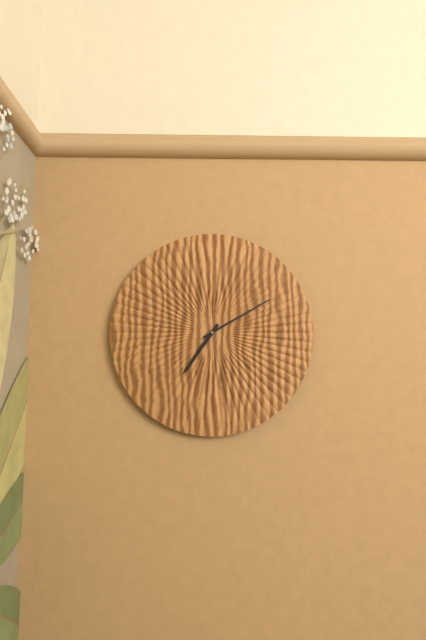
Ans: 7:10
